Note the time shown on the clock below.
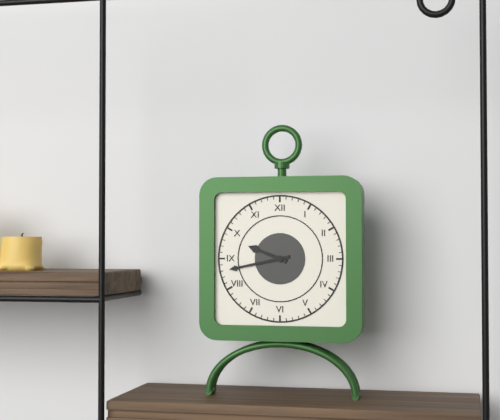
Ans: 9:43
